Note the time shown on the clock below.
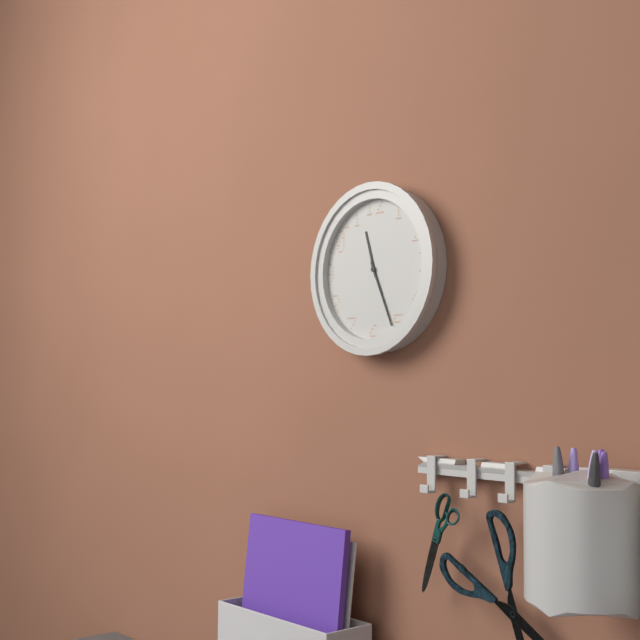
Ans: 11:26
